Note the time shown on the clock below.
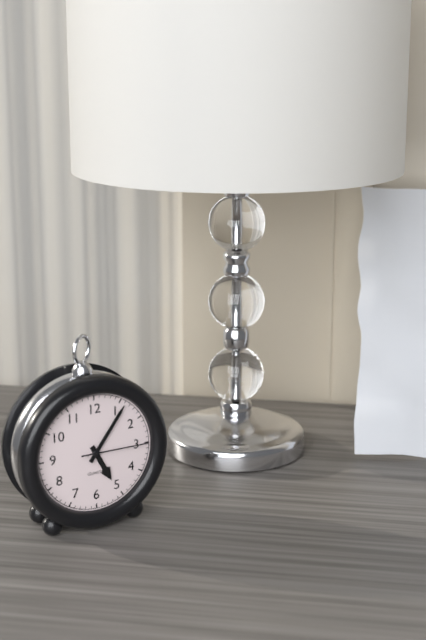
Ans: 5:06:15
